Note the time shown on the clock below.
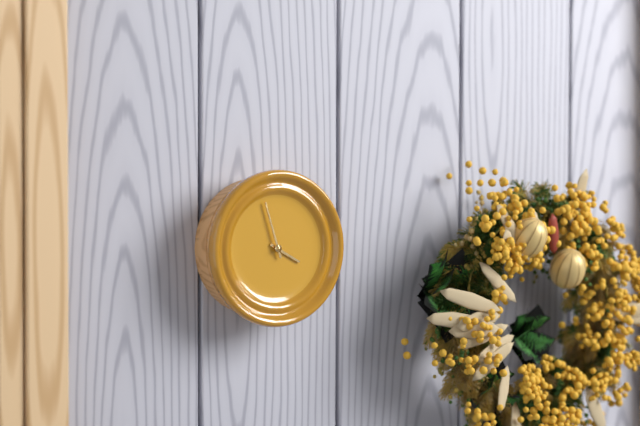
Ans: 3:57
